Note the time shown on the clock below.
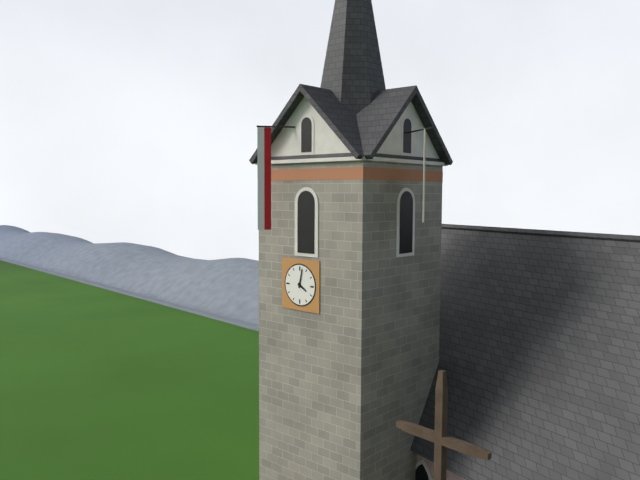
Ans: 4:02
